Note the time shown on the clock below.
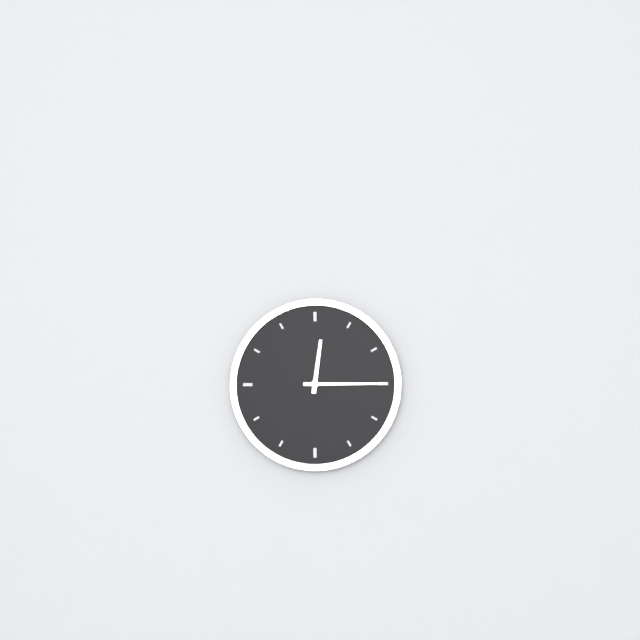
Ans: 12:15
